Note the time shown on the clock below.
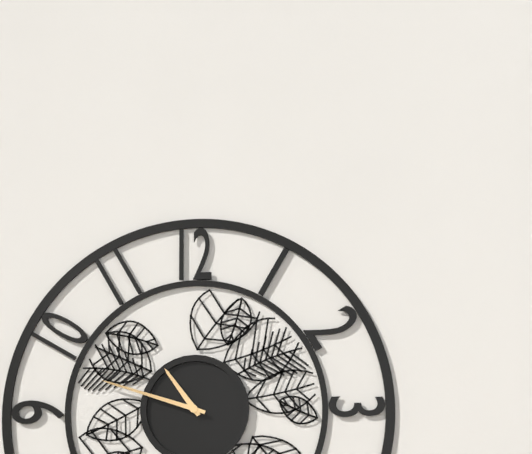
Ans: 10:48
